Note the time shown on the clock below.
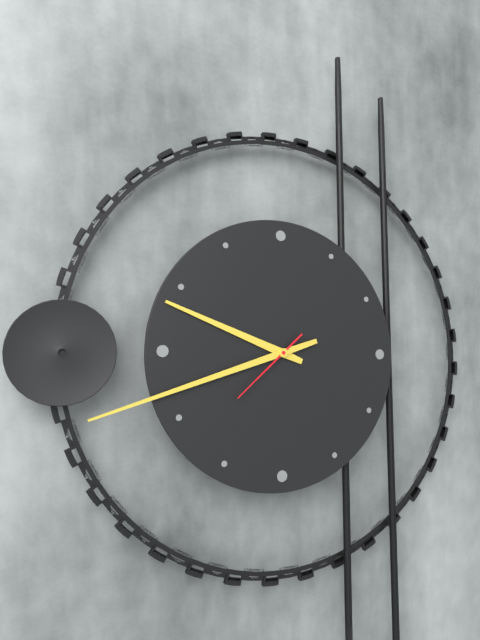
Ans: 9:42:38
